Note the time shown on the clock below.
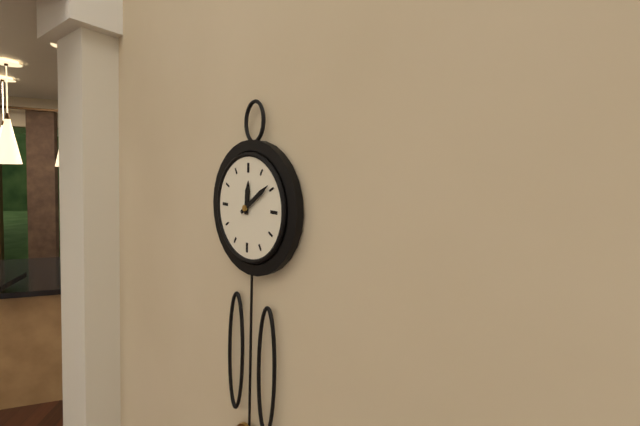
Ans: 12:09
